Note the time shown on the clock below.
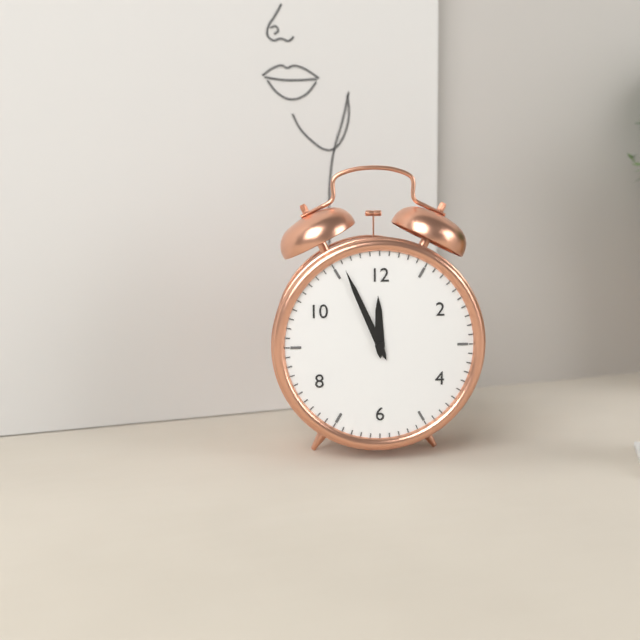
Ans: 11:56
